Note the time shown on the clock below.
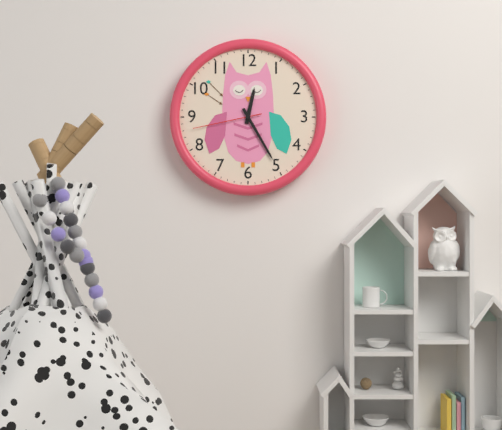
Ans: 12:25:43
